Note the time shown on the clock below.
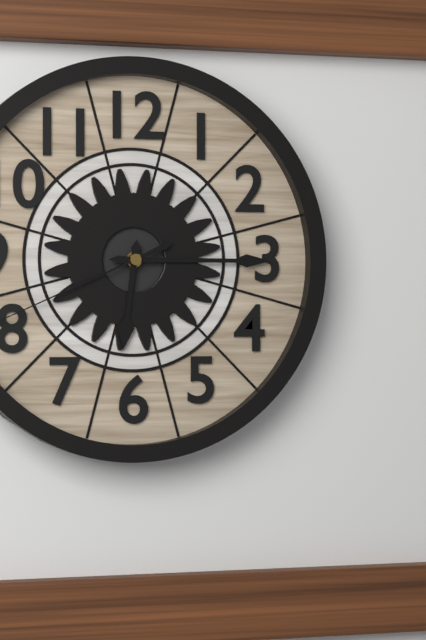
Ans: 6:15
